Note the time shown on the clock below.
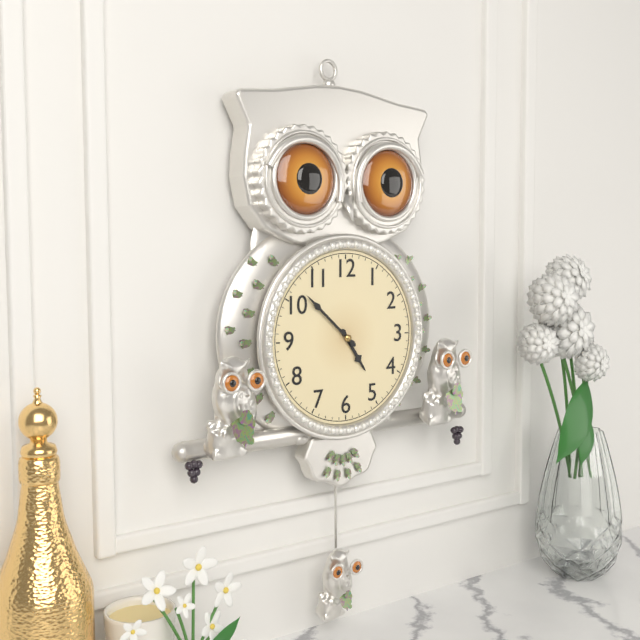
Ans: 4:52
